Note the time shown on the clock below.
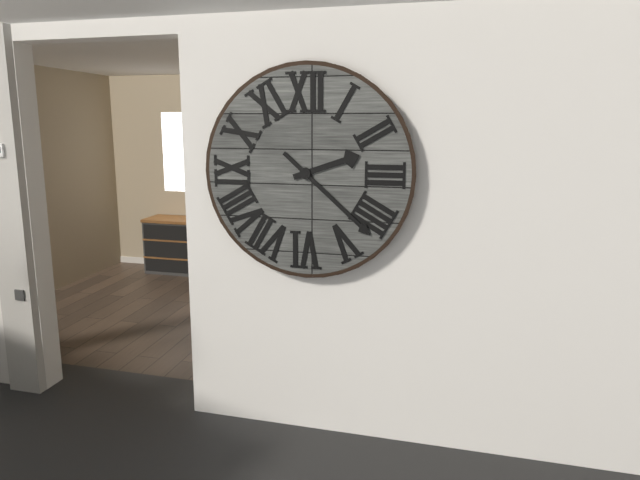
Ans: 2:22
